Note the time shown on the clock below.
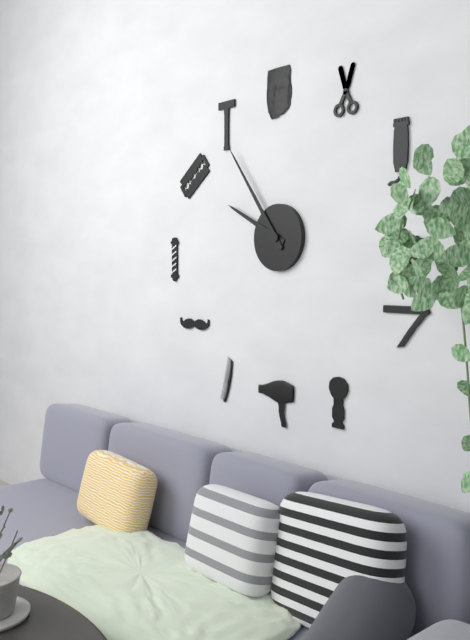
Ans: 9:54
